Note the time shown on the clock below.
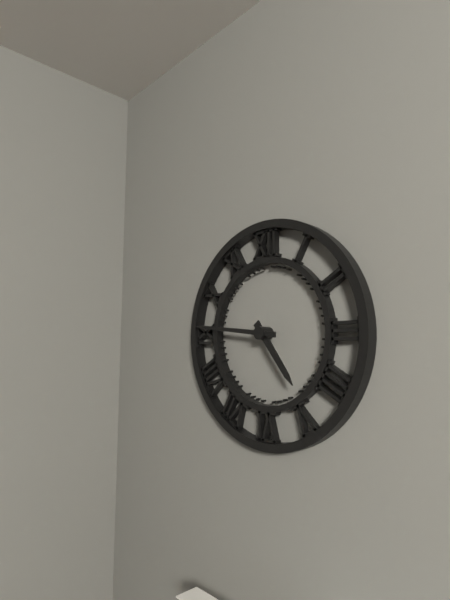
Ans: 4:46
